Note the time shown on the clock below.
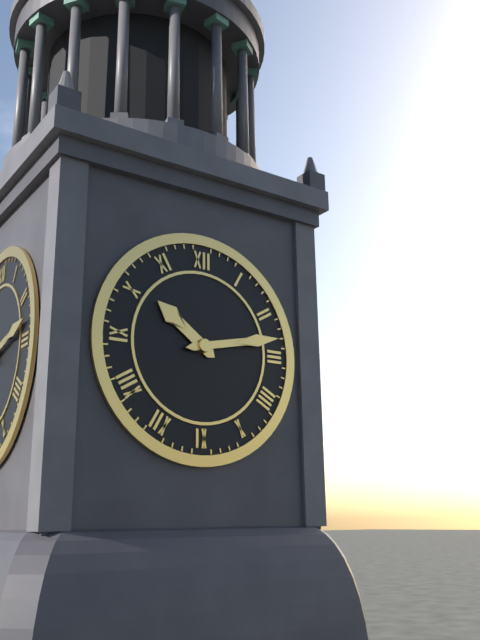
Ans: 10:13
